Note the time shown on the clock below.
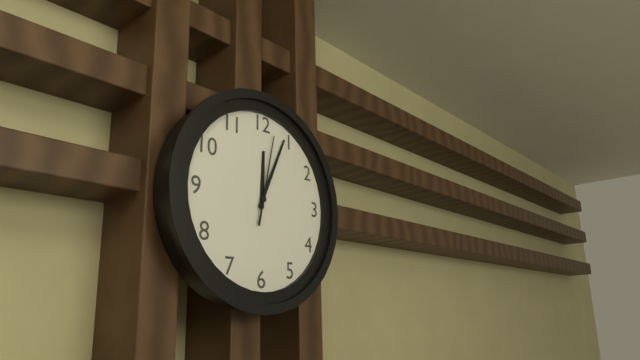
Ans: 12:04:02
